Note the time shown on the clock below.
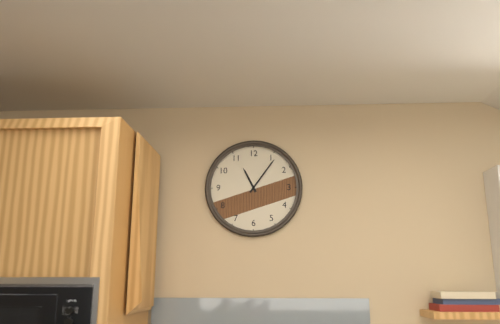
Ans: 11:06
